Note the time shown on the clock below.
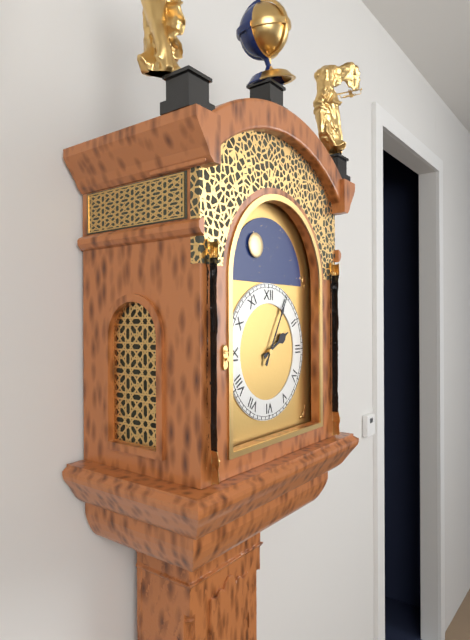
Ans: 2:05
